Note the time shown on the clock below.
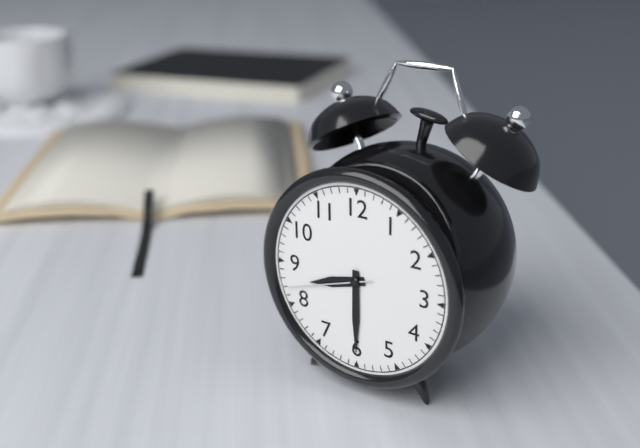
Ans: 8:30:42
